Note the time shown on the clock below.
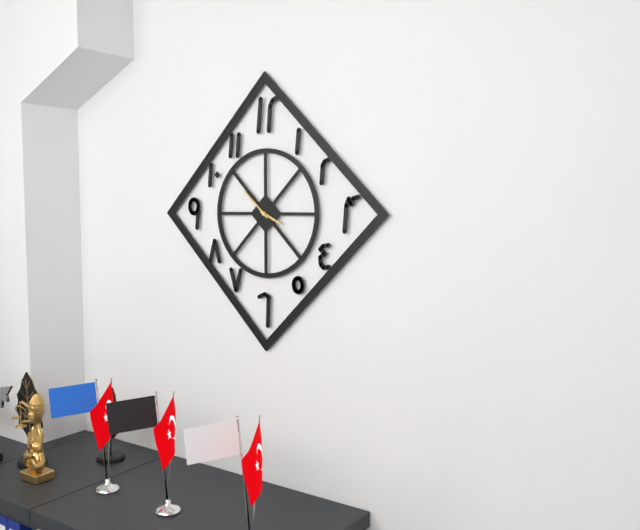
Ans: 3:52
